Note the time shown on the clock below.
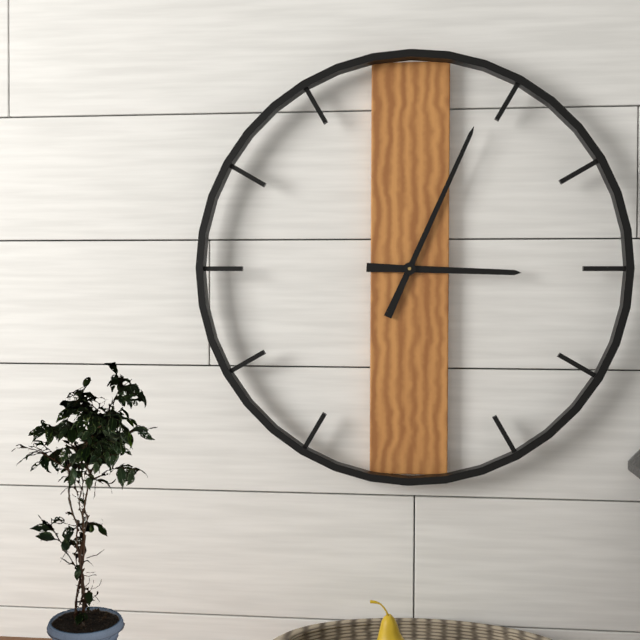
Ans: 3:04
